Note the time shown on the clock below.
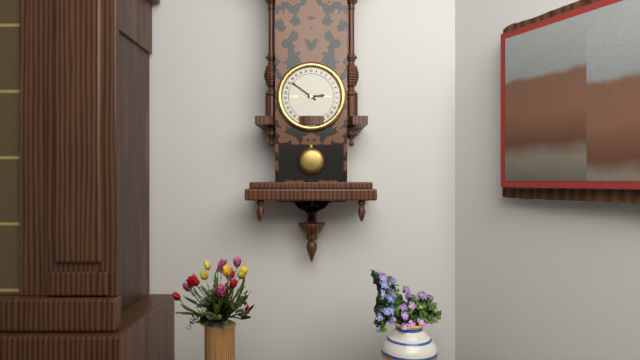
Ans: 2:51
